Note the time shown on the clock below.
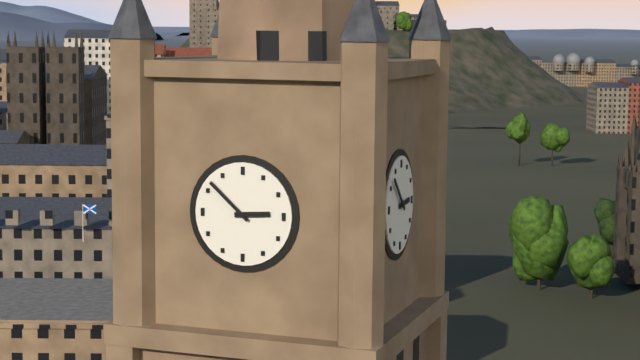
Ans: 2:52
